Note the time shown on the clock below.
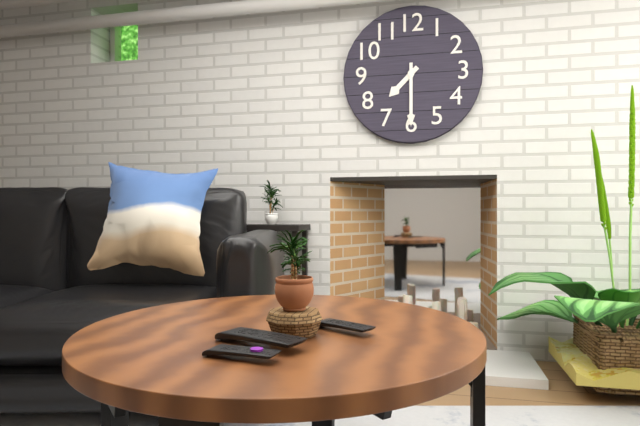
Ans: 7:30
